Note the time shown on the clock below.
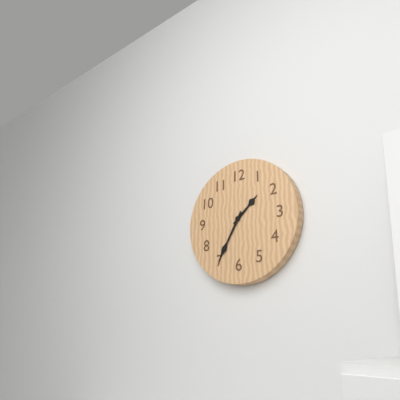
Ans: 1:35
